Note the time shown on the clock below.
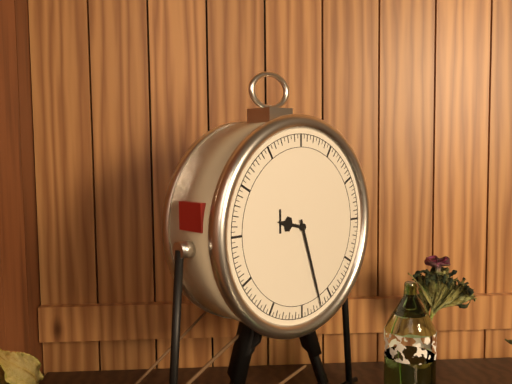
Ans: 9:27
